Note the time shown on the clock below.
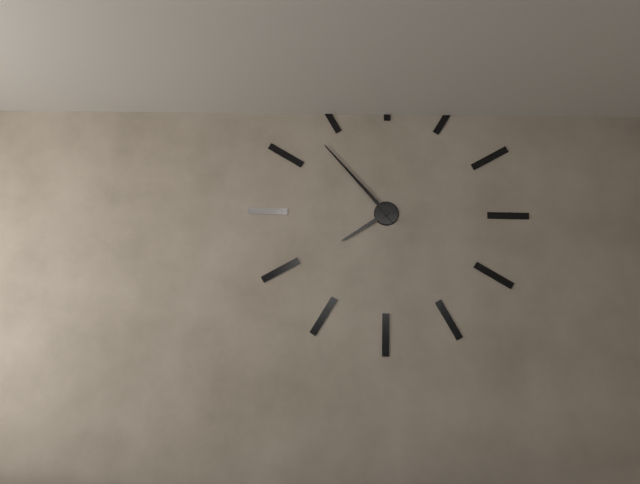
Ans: 7:53
